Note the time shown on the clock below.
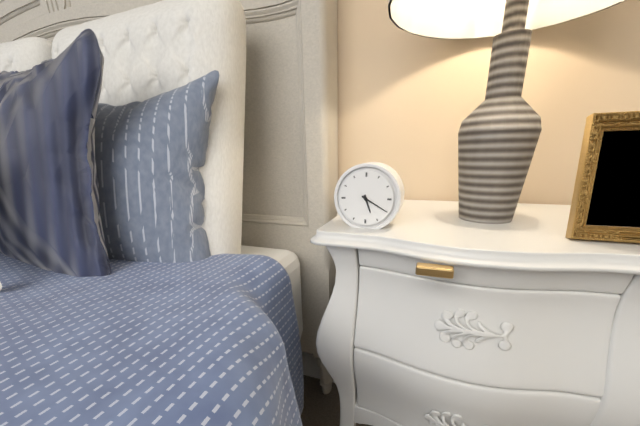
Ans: 5:20
